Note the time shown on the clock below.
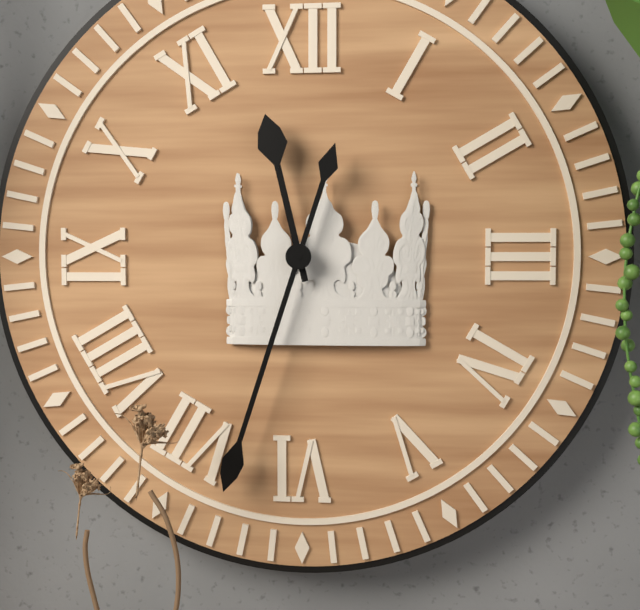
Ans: 11:33
